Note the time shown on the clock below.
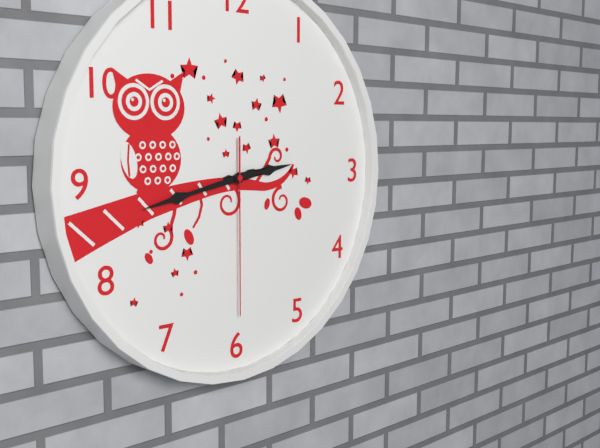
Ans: 2:43:30
